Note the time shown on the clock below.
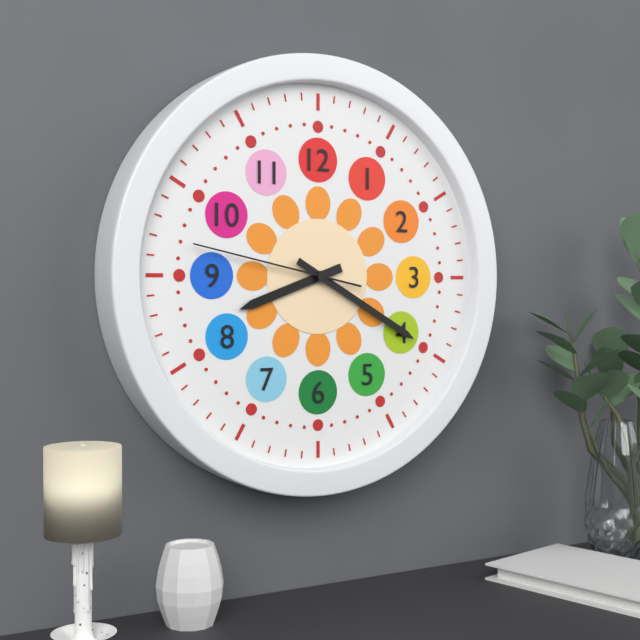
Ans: 8:20:47
